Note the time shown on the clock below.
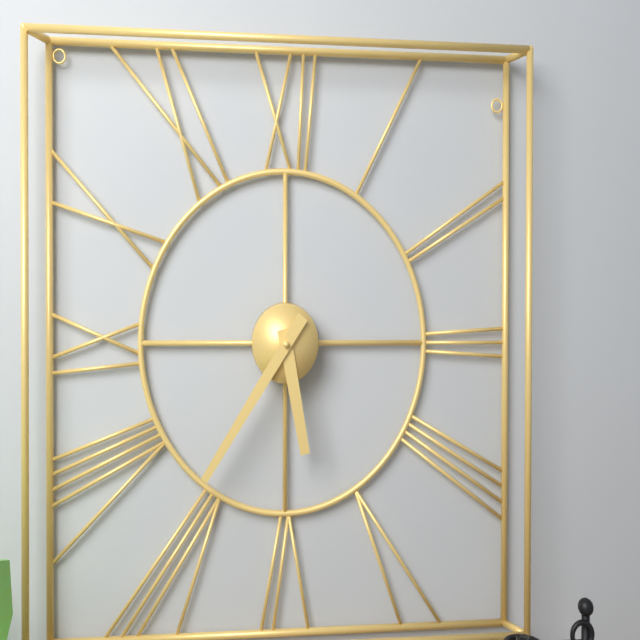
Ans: 5:36
